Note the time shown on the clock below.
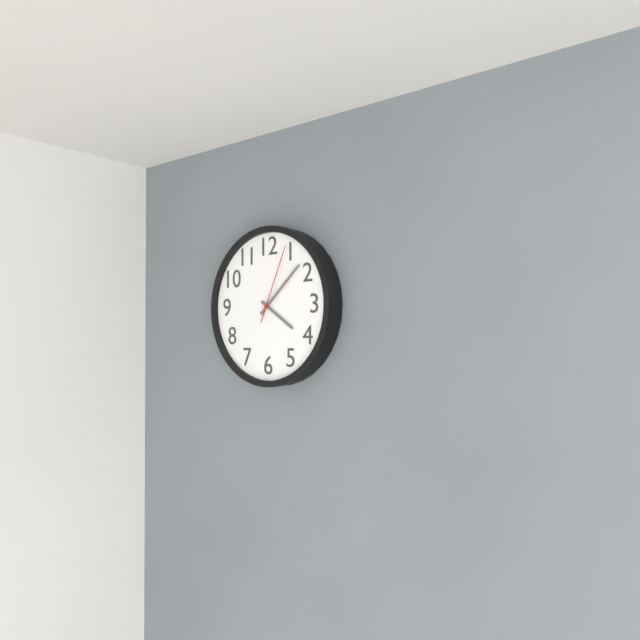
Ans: 4:08:04
